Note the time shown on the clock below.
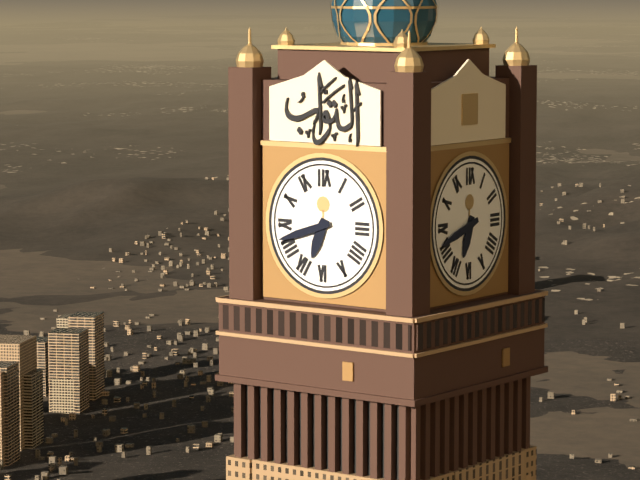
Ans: 6:42
